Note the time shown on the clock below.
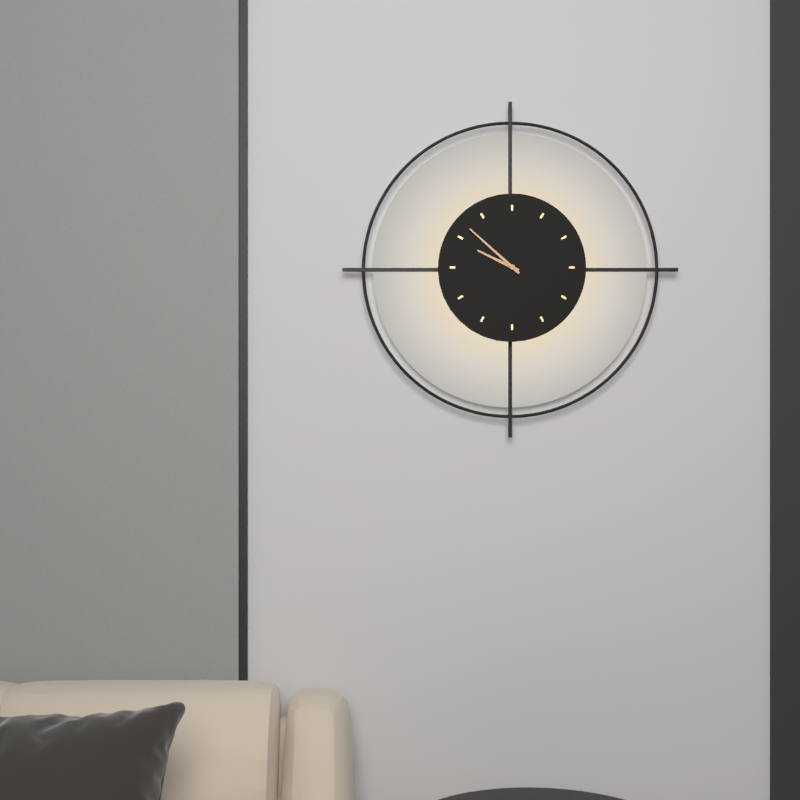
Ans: 9:52
